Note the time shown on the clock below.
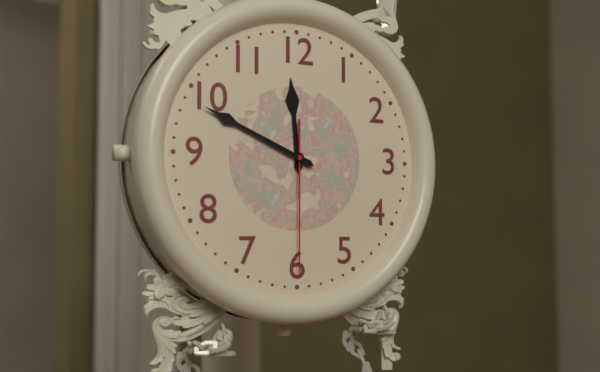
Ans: 11:49:30
